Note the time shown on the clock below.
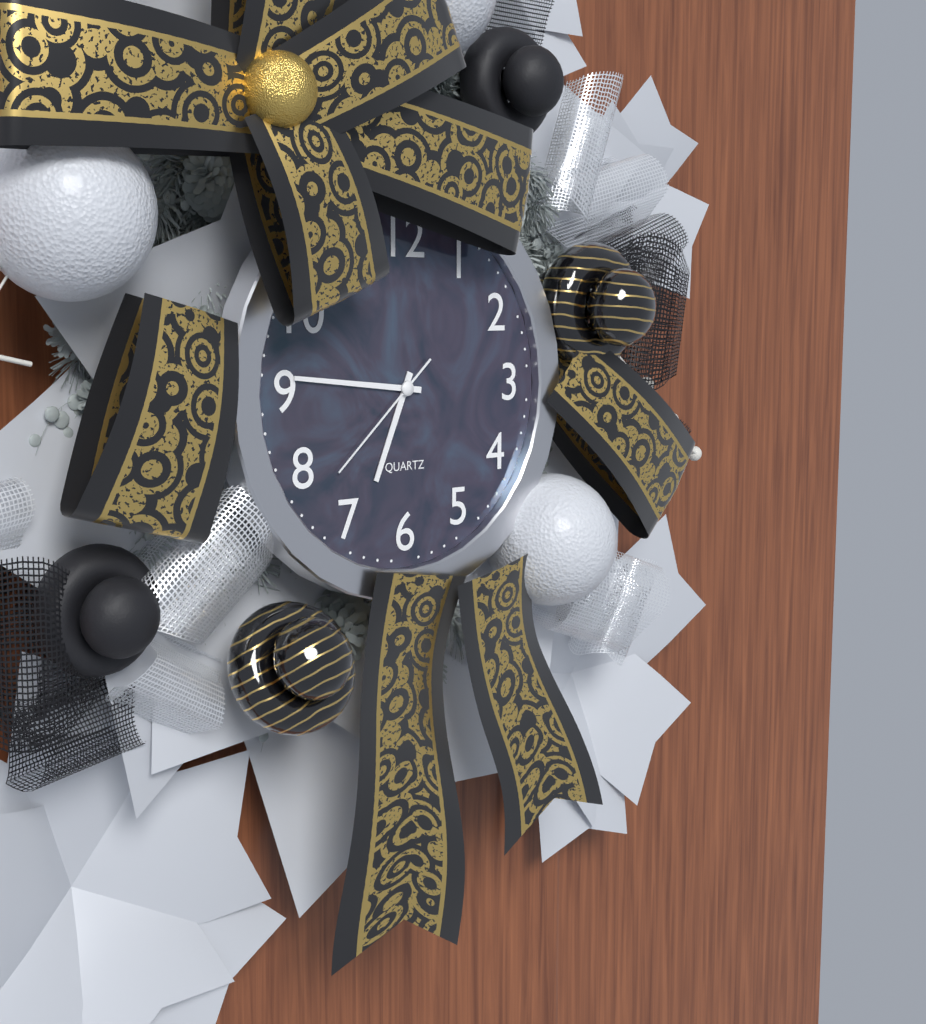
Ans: 6:46:38
